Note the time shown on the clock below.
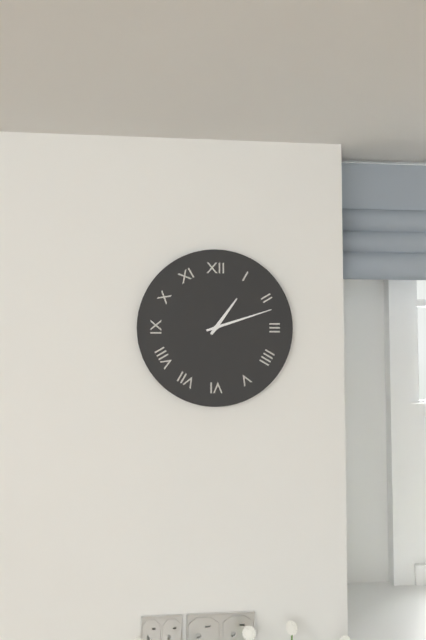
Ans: 1:12
